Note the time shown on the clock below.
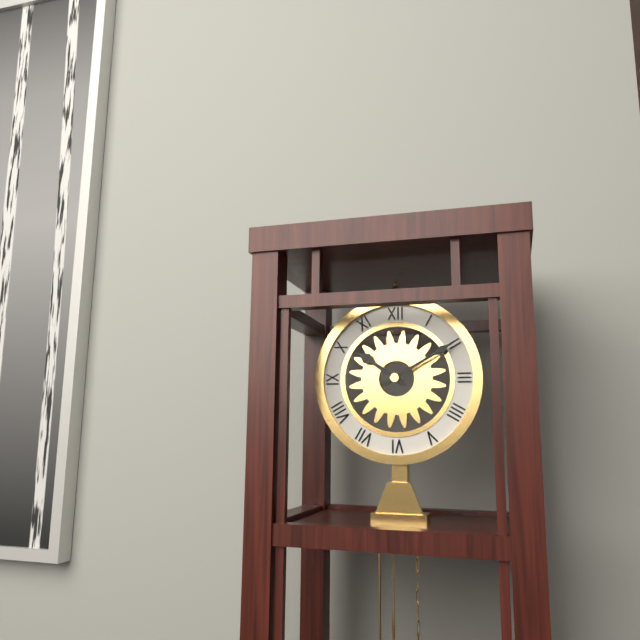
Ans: 10:10
